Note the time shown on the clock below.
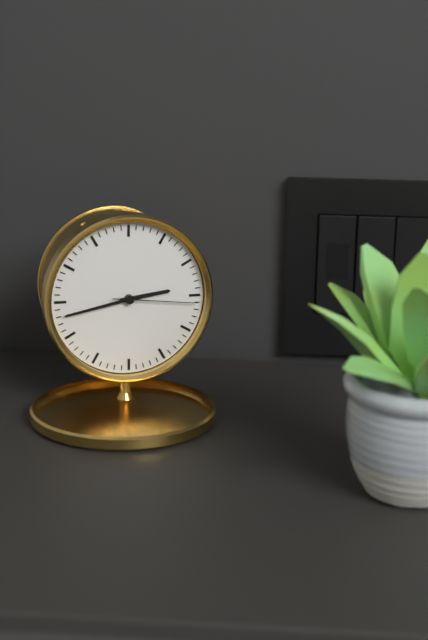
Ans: 2:43:16
